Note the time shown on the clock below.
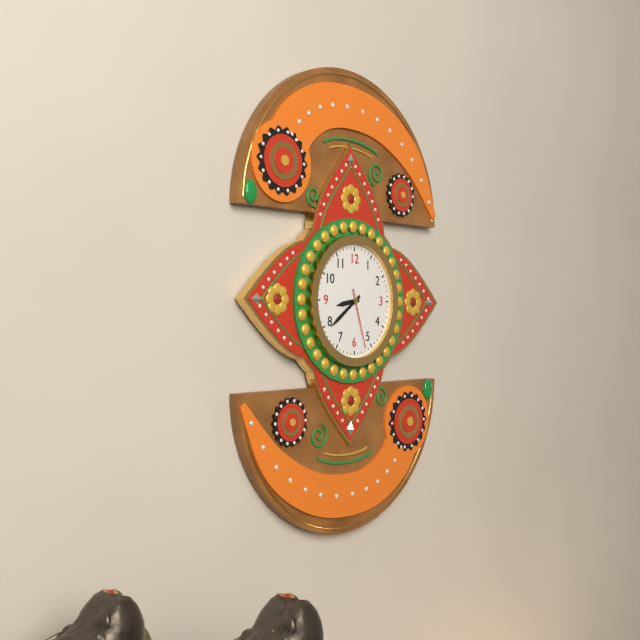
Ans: 8:39:27
